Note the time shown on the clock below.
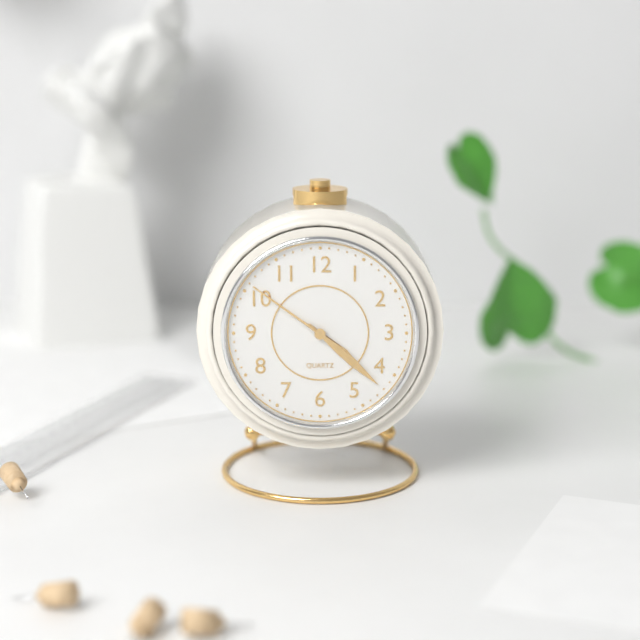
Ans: 4:22:51
